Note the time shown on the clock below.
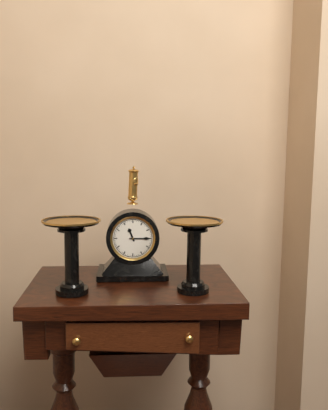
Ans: 11:15
